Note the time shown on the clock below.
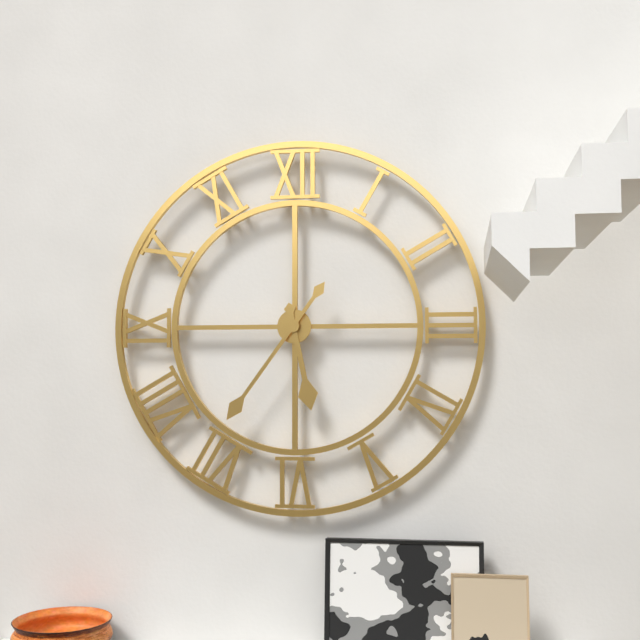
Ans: 5:36
